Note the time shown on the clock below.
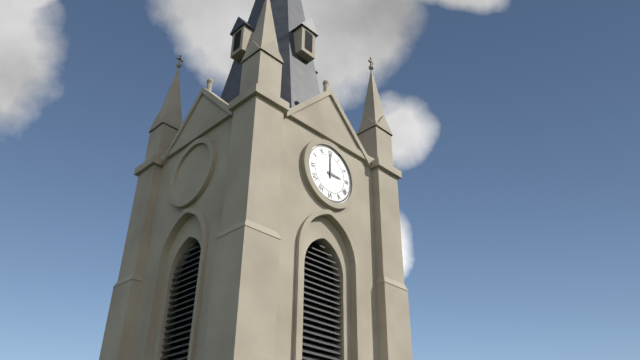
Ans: 3:00
